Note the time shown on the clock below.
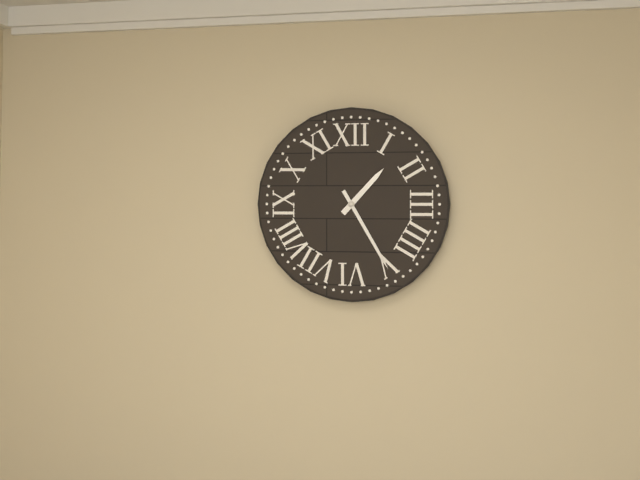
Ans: 1:25
